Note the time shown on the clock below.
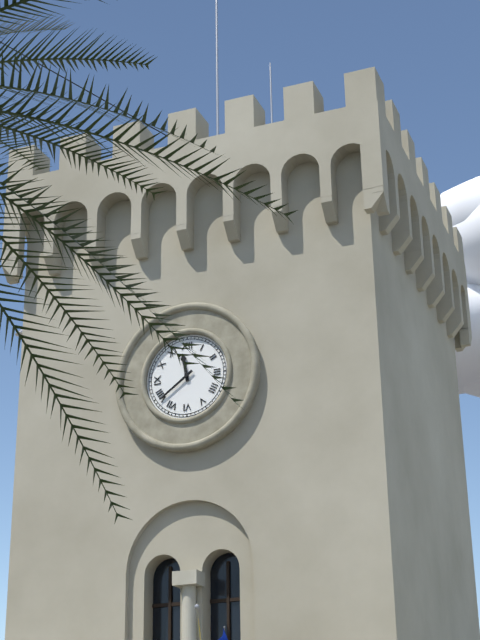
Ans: 11:39
